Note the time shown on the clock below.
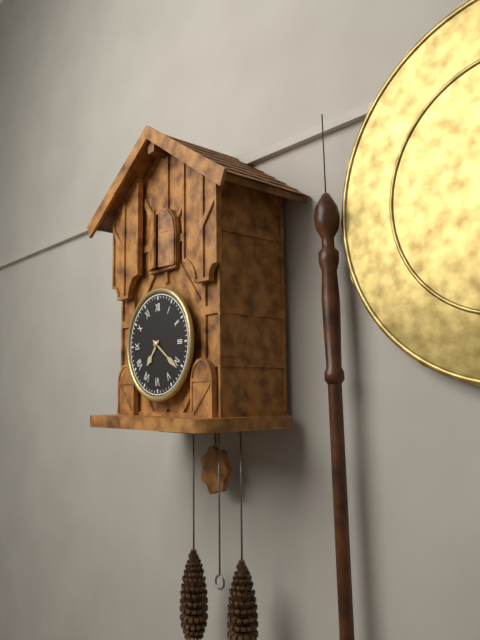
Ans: 7:21
